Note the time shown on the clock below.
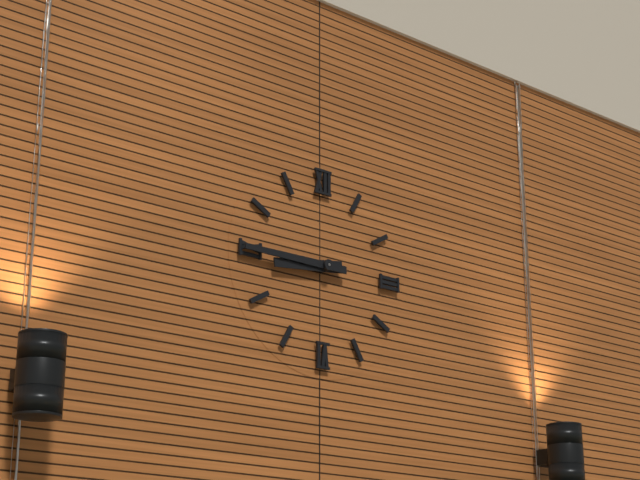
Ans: 8:45
